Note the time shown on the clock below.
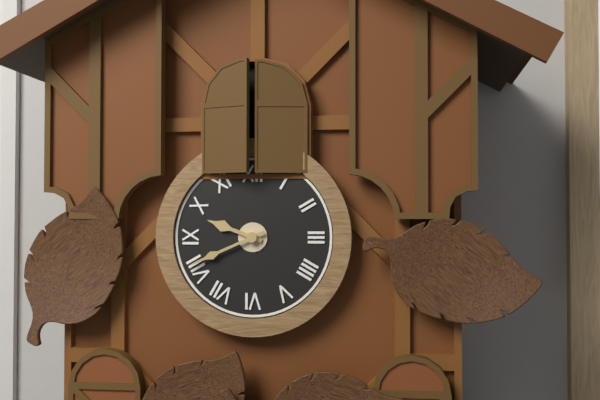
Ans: 9:41
